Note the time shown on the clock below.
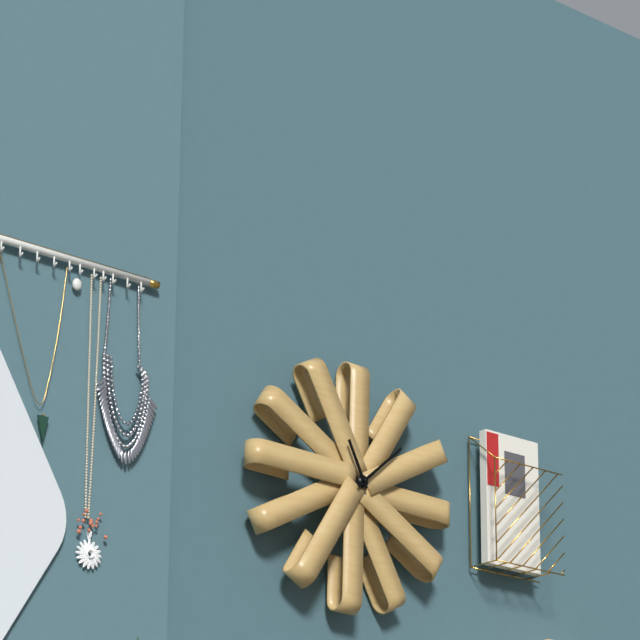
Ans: 11:08
